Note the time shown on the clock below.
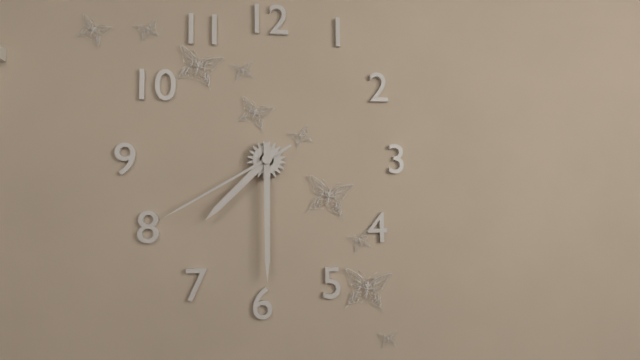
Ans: 7:30:40
